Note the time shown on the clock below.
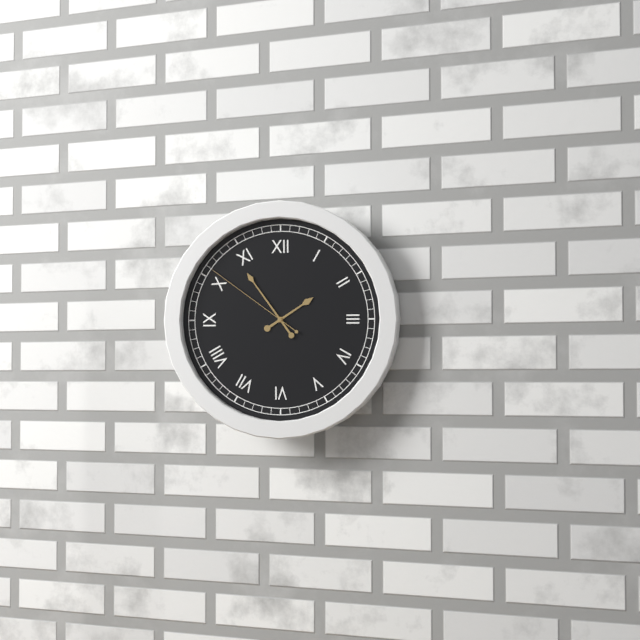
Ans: 1:54:51
